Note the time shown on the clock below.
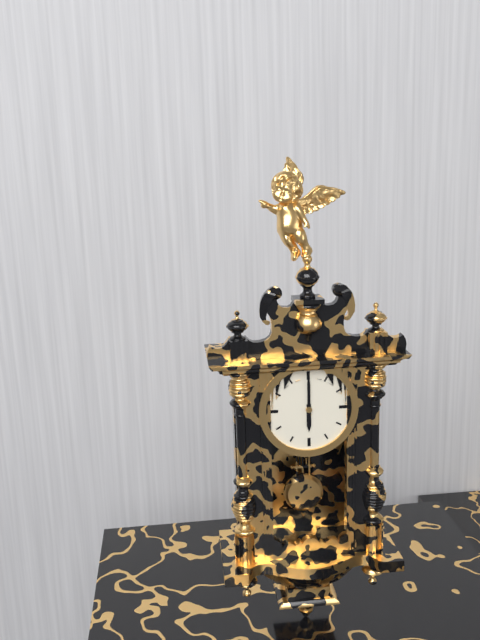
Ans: 6:00
